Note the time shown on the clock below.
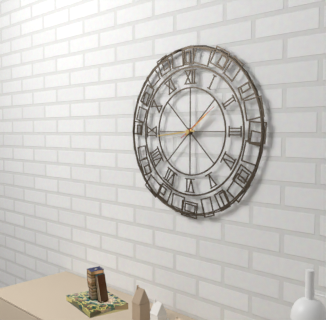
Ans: 1:44
